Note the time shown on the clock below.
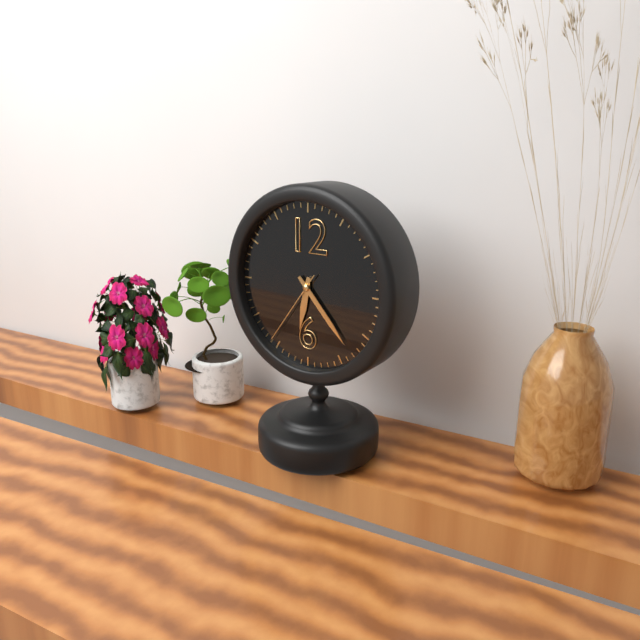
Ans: 6:23:36
